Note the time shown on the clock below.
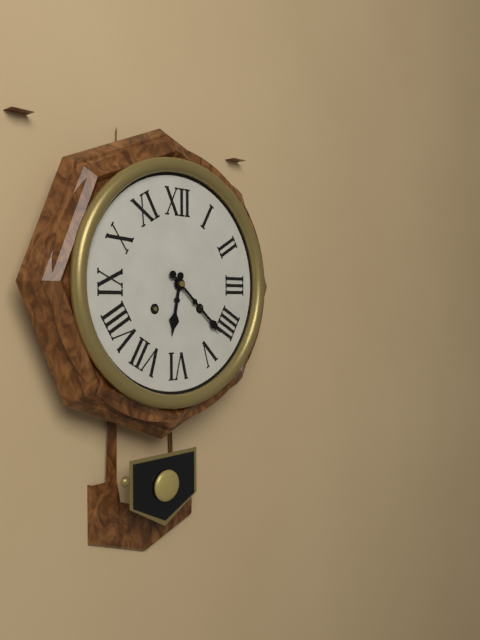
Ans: 6:22
